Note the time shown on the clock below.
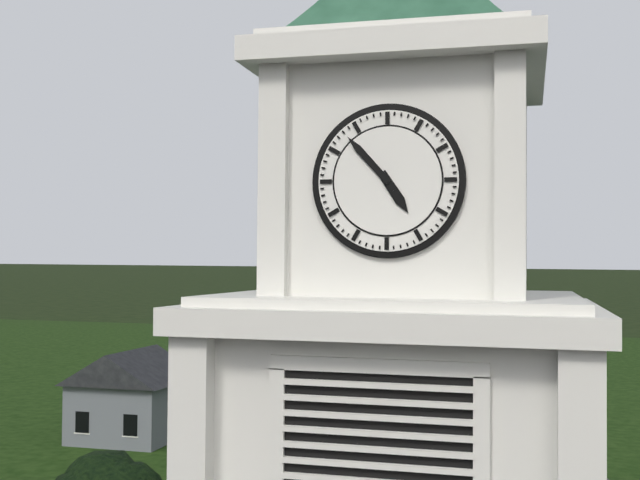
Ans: 4:53
